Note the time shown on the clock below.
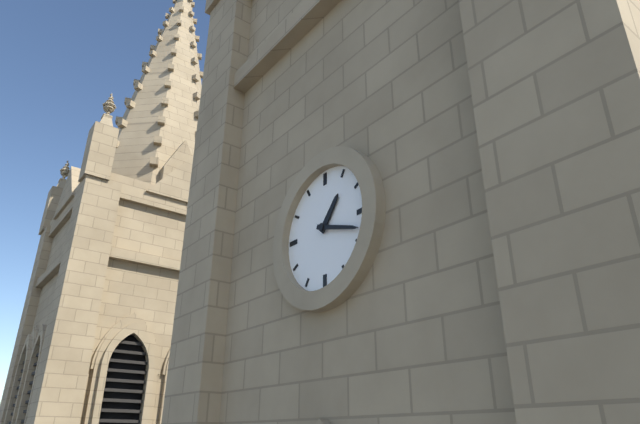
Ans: 1:18
